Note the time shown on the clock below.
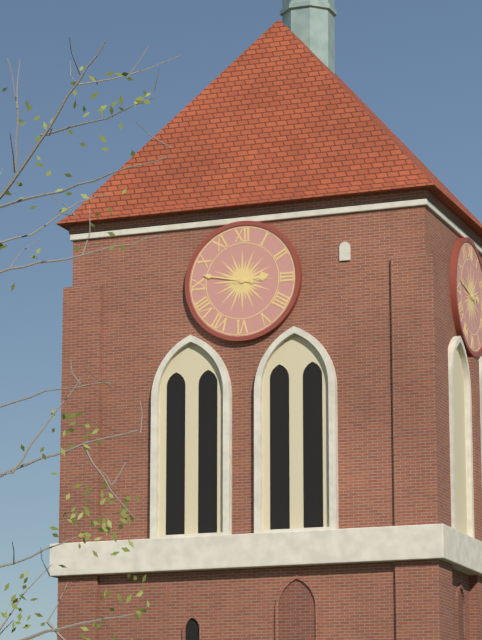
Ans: 2:47
